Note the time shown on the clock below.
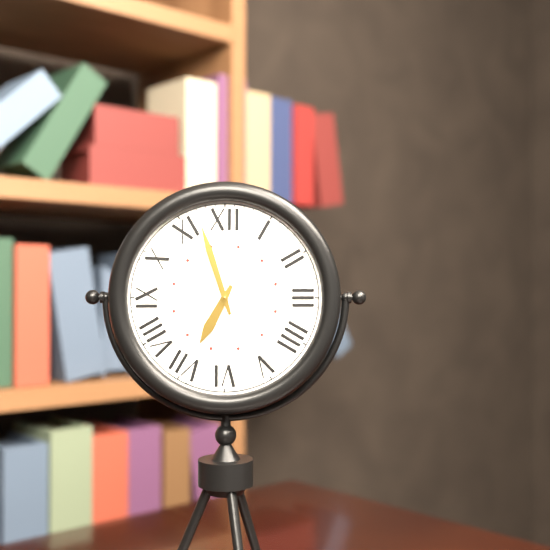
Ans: 6:57
